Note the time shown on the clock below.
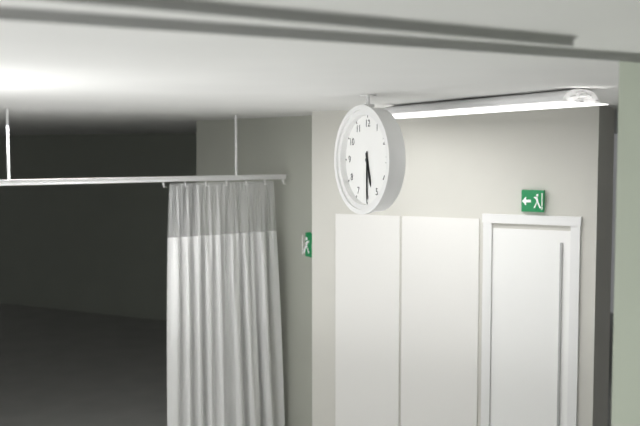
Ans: 5:30
